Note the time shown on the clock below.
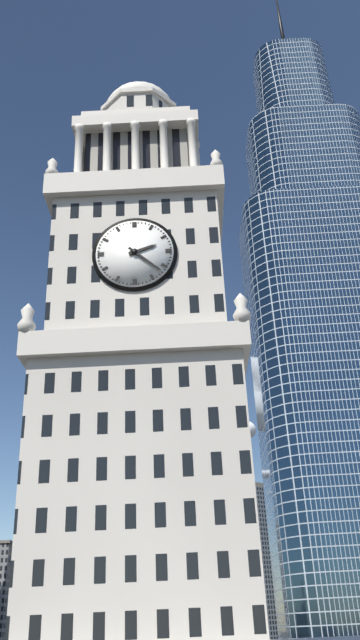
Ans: 2:22
